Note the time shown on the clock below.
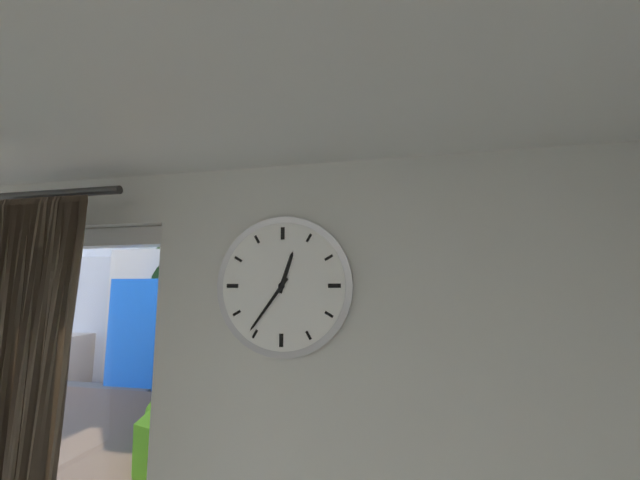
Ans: 12:36
